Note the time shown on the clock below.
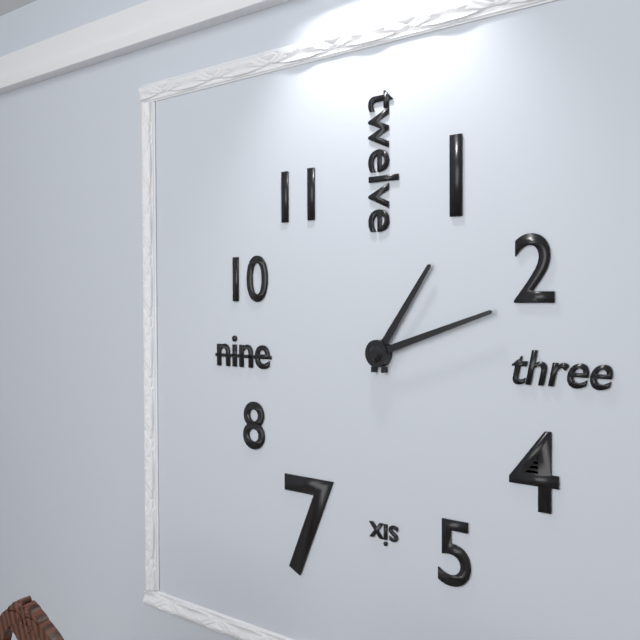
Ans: 1:12
